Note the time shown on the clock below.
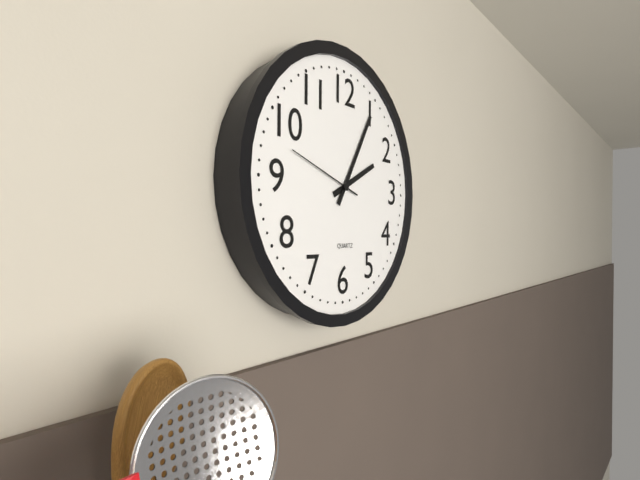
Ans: 2:05:48
